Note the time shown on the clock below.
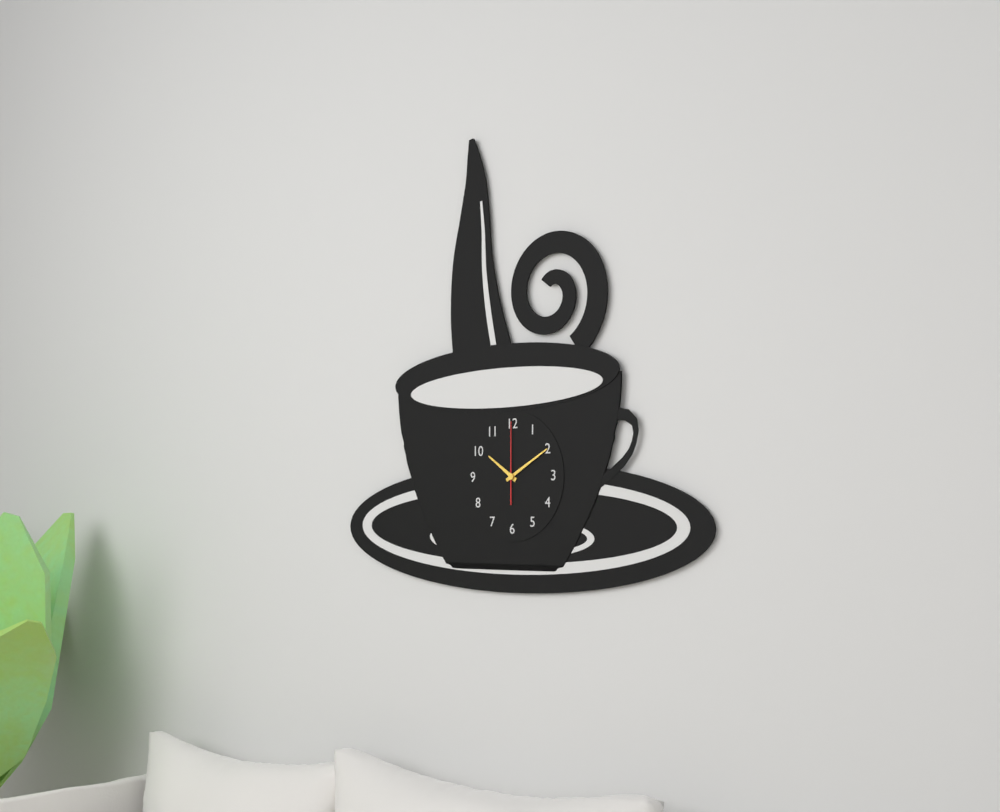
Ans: 10:10:00
